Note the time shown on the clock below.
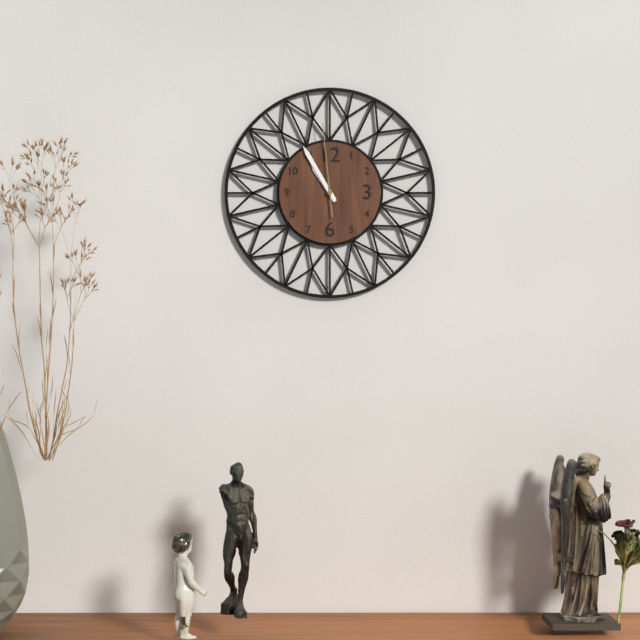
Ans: 10:55:59
